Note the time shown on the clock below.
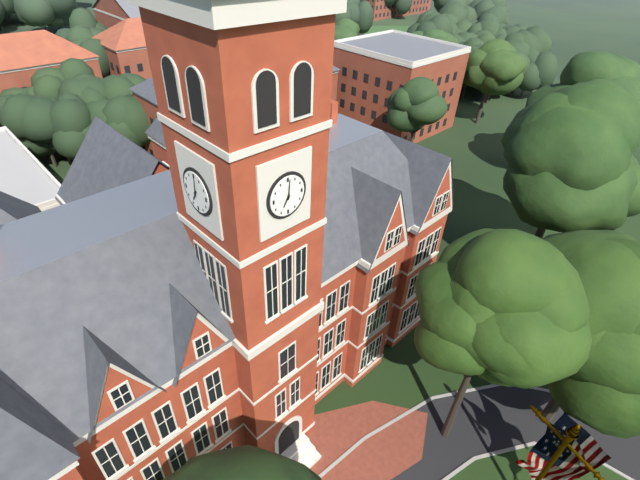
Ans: 7:01
